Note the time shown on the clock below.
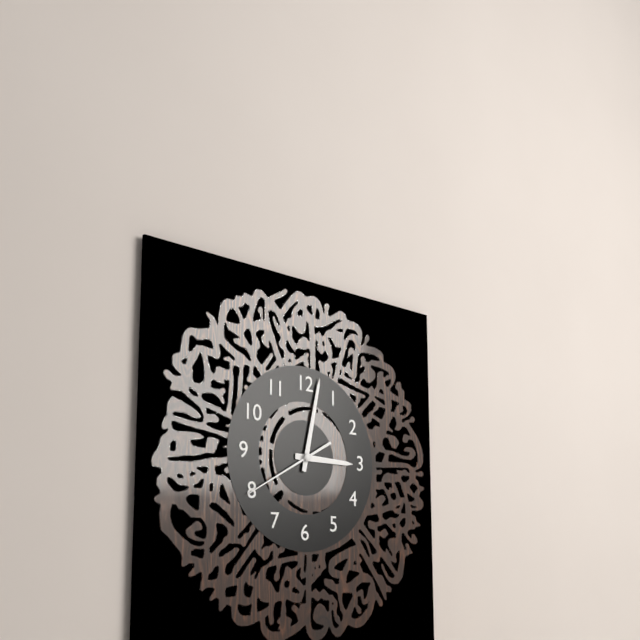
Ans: 3:02:40
